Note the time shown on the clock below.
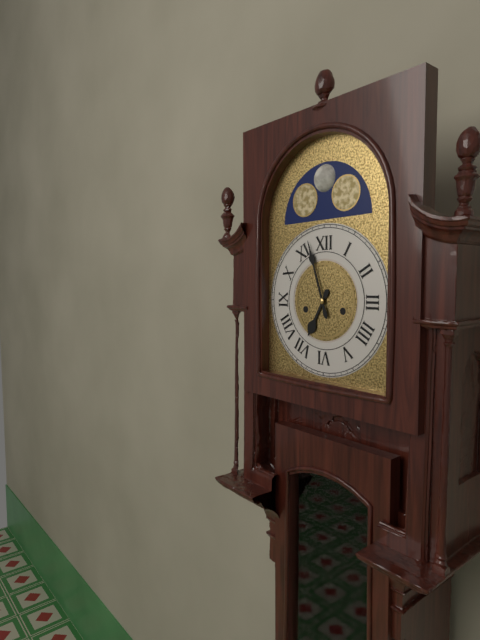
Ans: 6:57
